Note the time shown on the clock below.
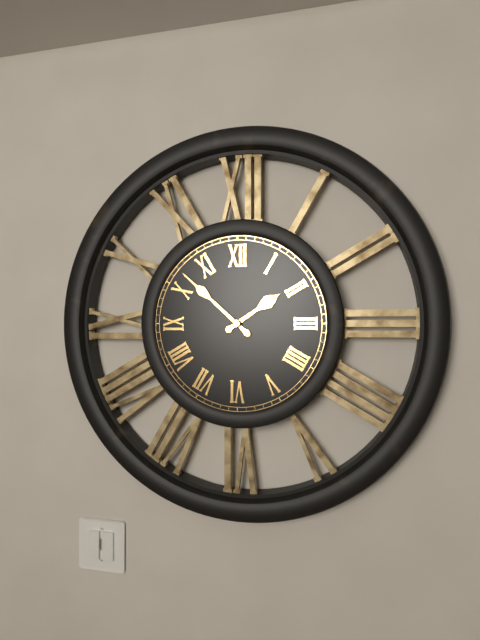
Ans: 1:52
